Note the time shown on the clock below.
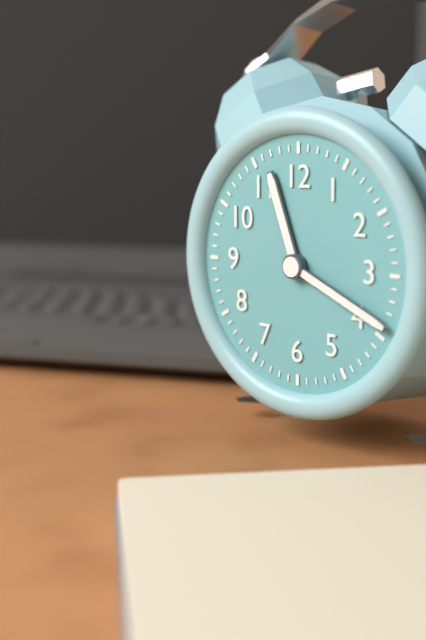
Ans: 11:19
